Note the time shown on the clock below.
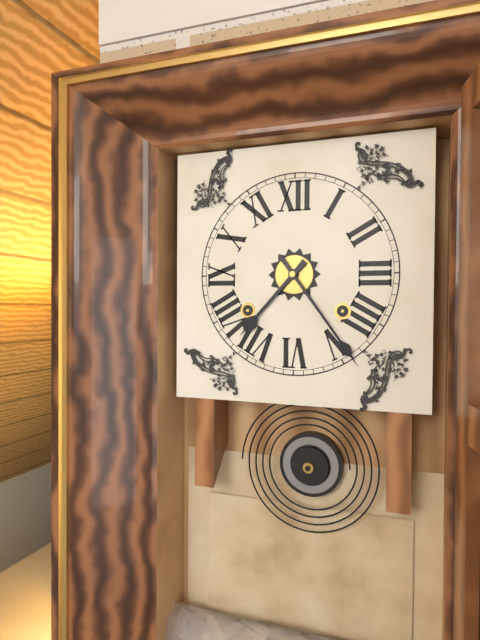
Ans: 7:24
